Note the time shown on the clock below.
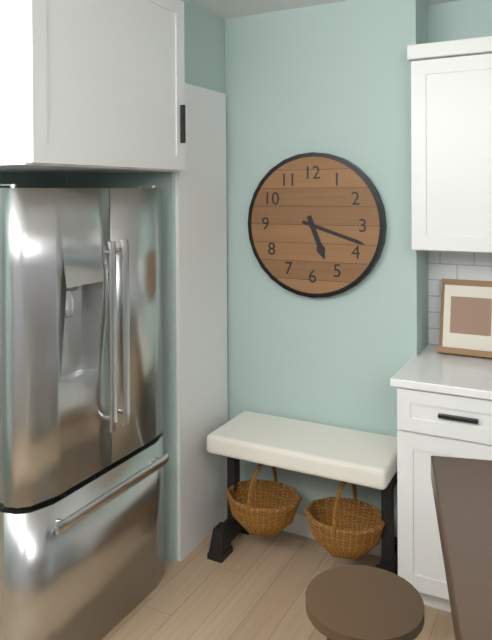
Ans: 5:18
